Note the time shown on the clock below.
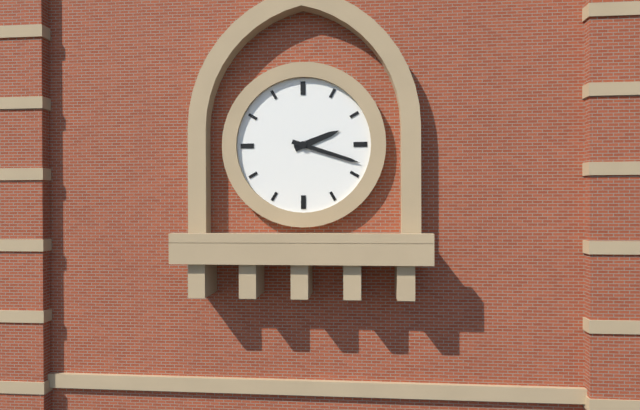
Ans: 2:18
